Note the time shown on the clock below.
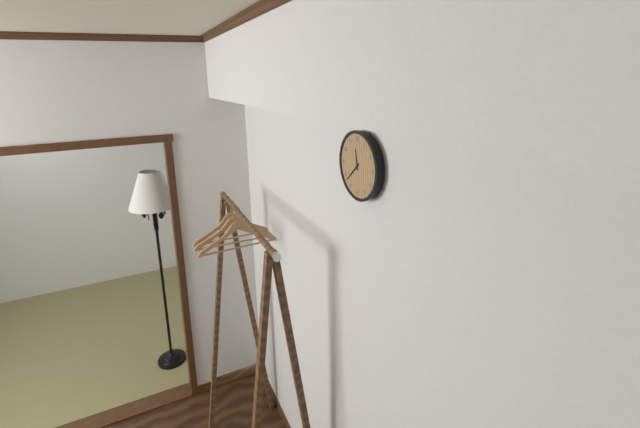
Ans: 11:38
